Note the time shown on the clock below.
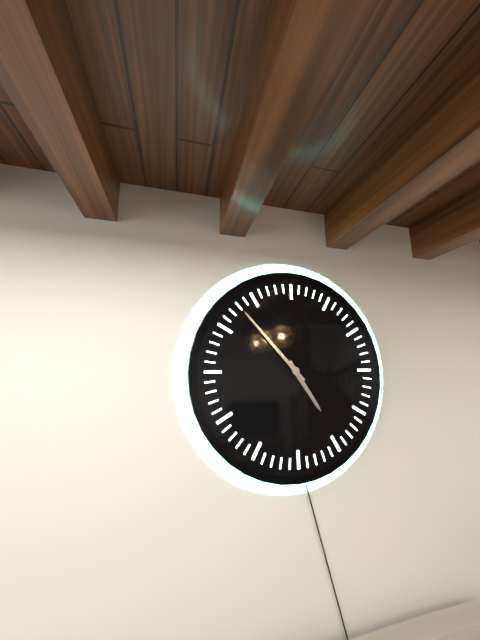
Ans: 4:53
